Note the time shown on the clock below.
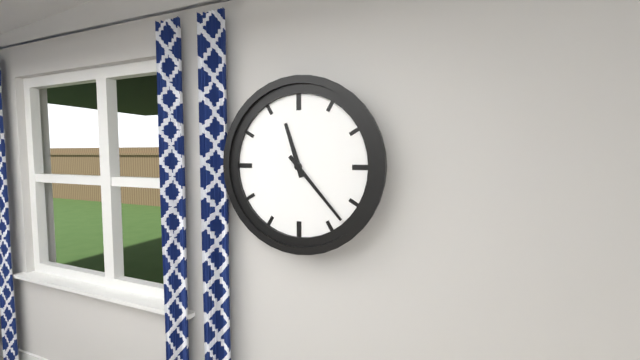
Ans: 11:23
